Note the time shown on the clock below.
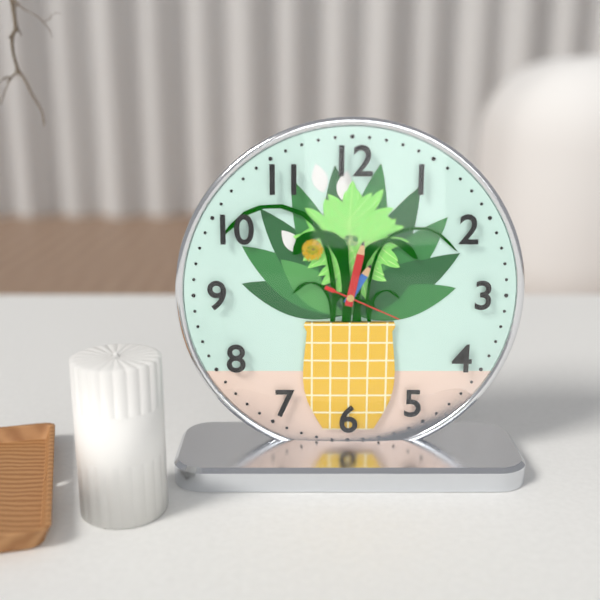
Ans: 1:02:19
